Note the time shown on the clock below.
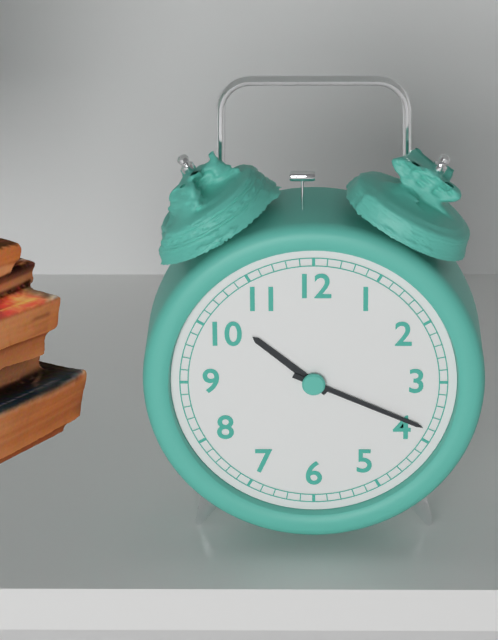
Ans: 10:19
